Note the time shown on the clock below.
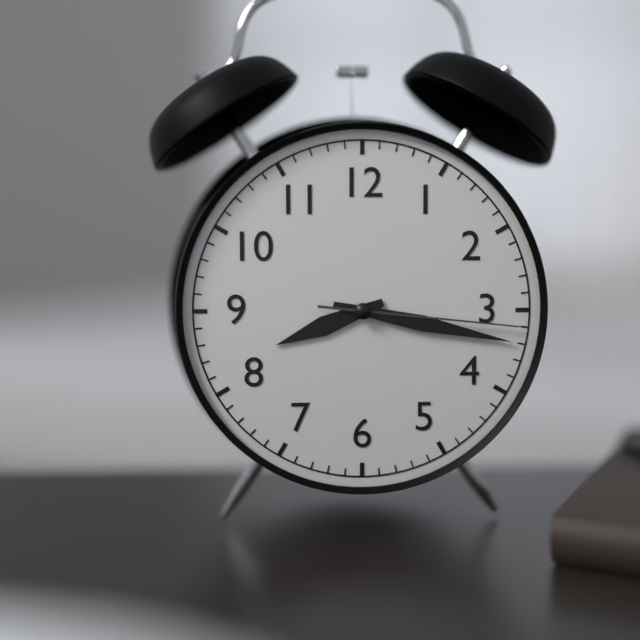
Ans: 8:17:16
